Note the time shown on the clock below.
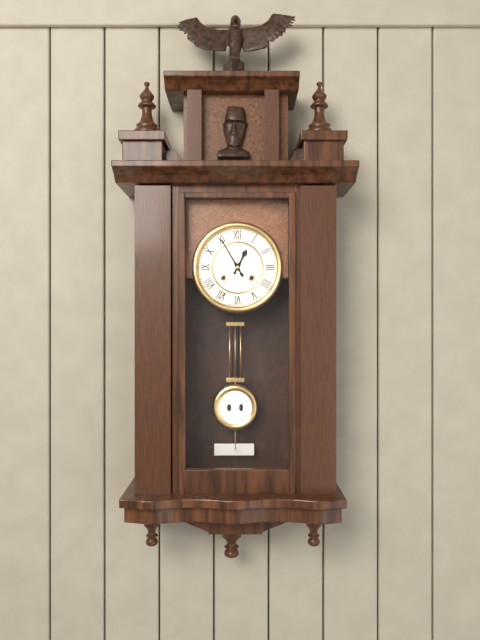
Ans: 12:55
